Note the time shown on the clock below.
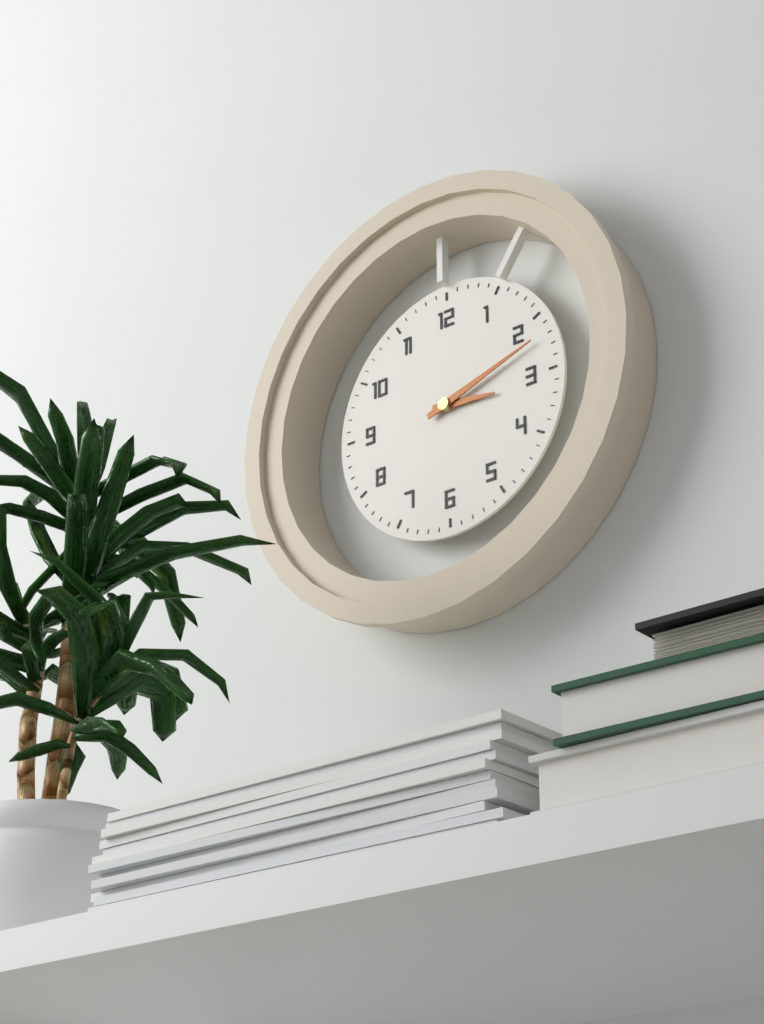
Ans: 3:12
